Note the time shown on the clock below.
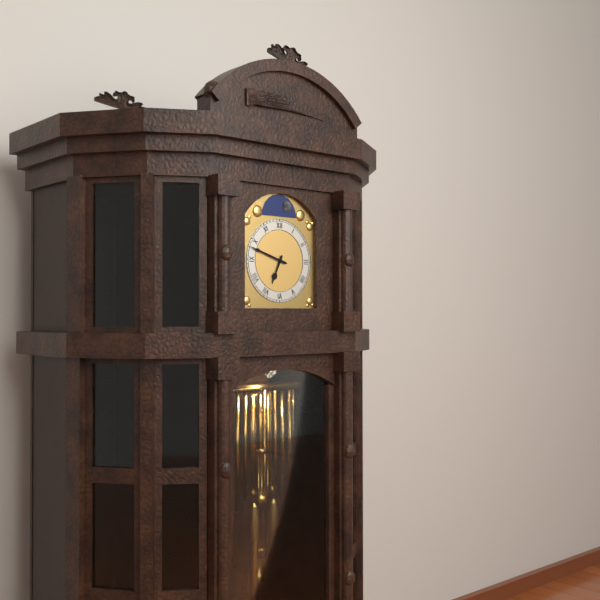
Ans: 6:48
